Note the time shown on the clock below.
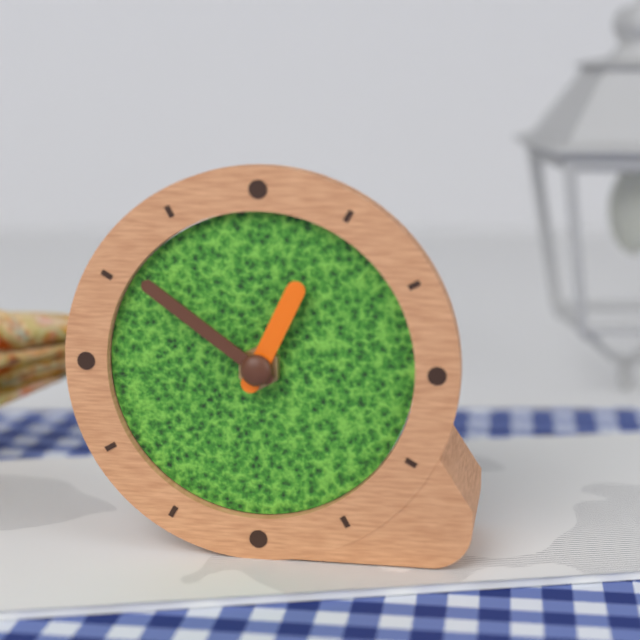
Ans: 12:51
